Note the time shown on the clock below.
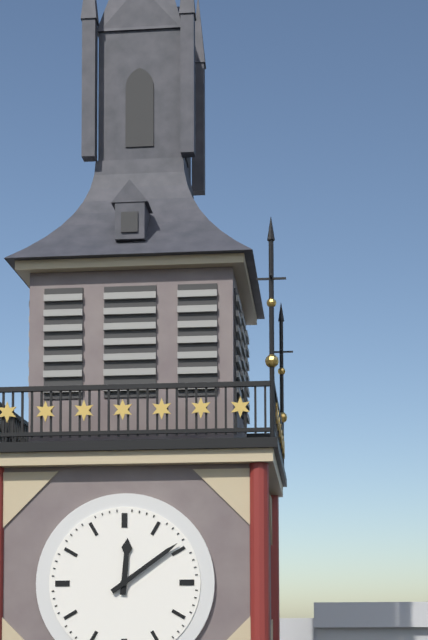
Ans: 12:09
